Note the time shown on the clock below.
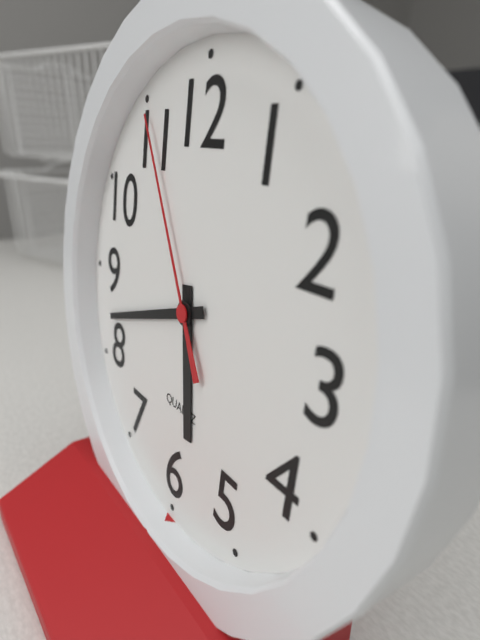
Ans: 5:42:55
